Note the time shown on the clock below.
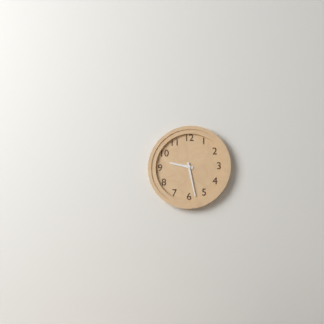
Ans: 9:28
